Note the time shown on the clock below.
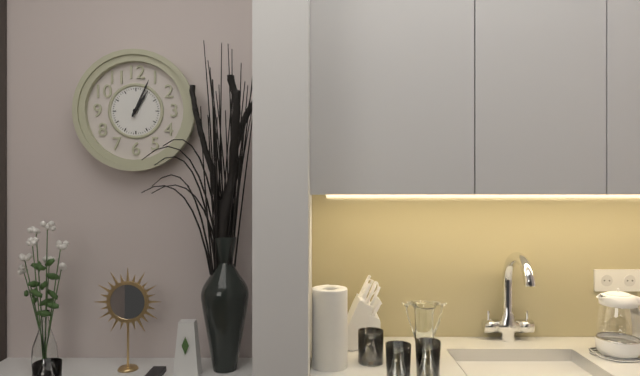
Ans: 1:04
